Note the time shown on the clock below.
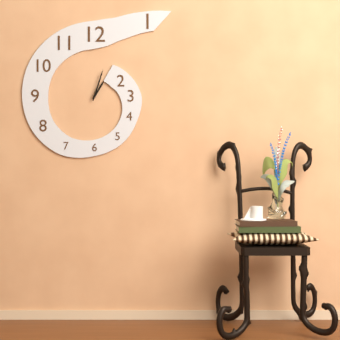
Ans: 1:03
